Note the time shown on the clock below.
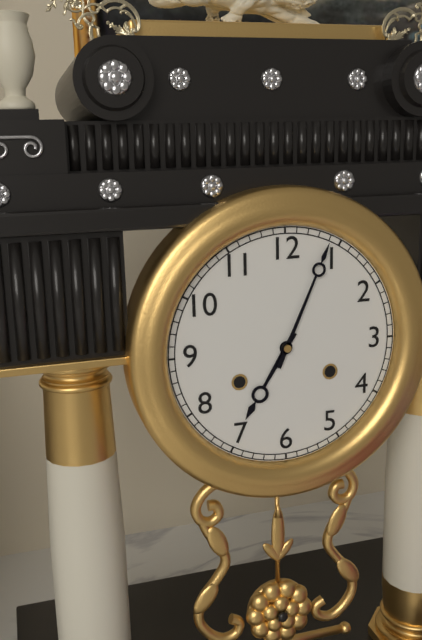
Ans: 7:04
